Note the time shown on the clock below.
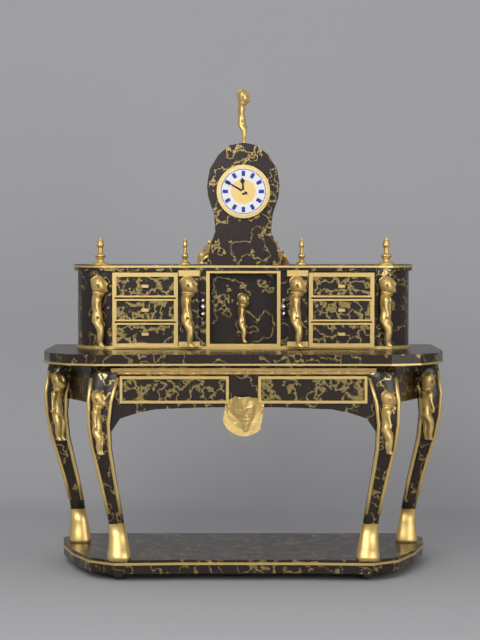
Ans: 11:50
